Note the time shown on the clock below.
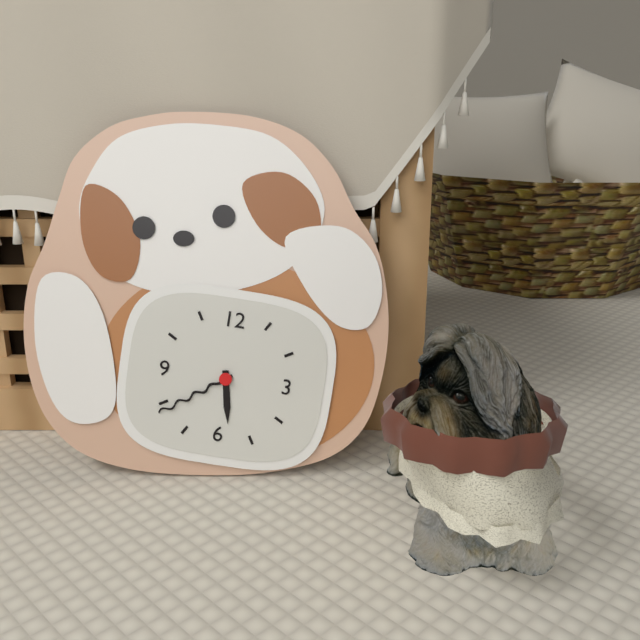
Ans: 5:39
